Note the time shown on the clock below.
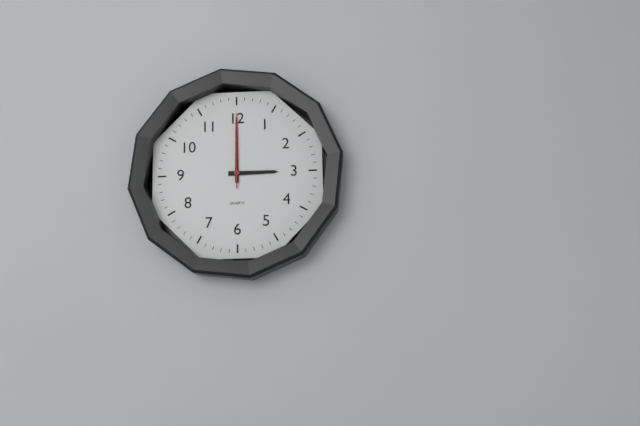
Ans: 3:00:00
